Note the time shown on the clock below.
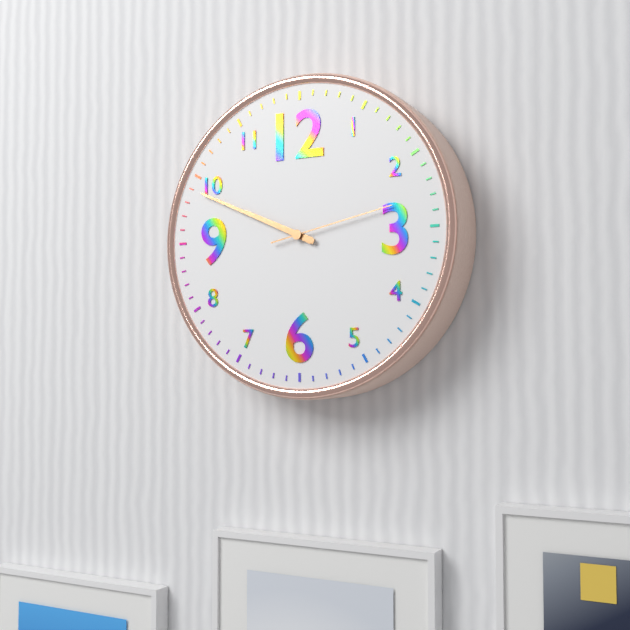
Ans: 9:49:13
